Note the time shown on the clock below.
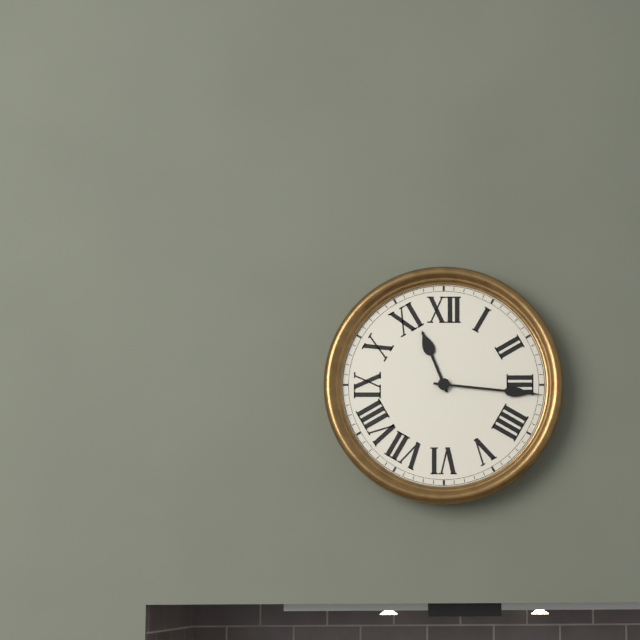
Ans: 11:16
